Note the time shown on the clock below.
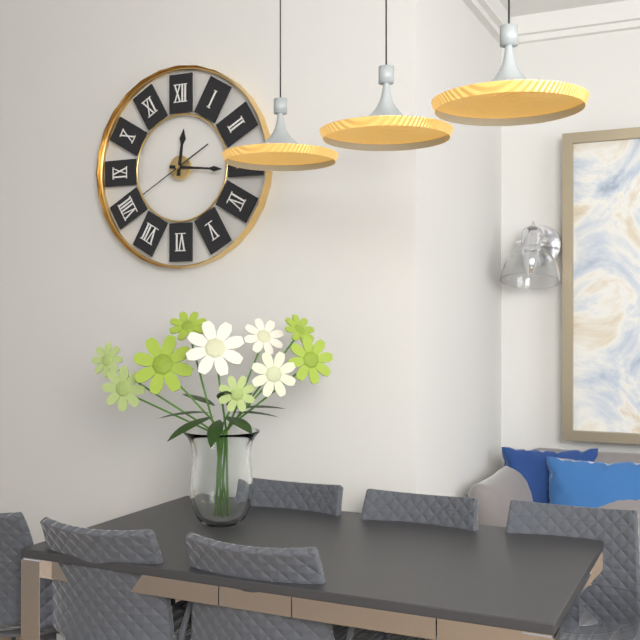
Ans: 12:16:40
